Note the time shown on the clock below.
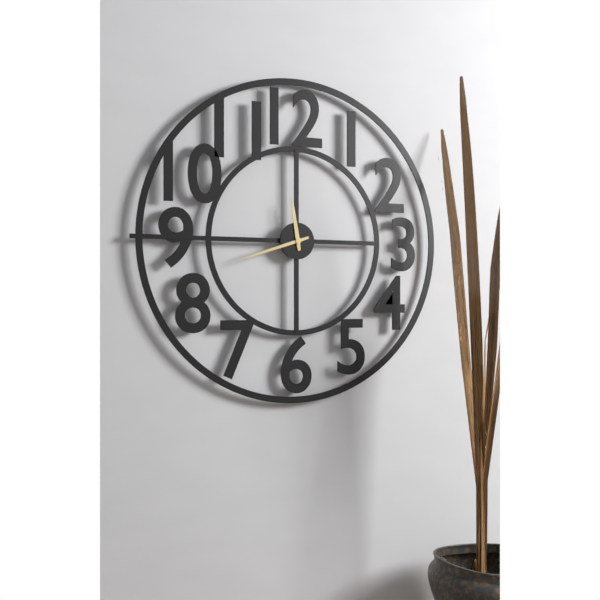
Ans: 11:42
